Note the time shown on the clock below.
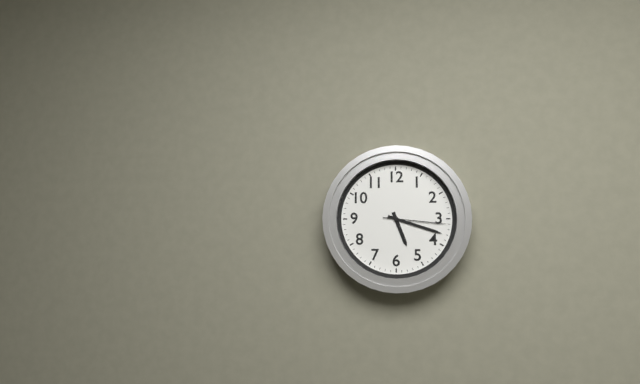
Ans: 5:18:16
